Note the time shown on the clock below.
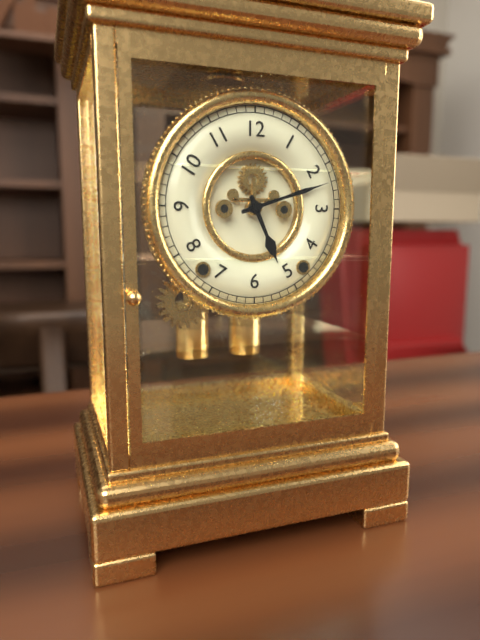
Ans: 5:12
